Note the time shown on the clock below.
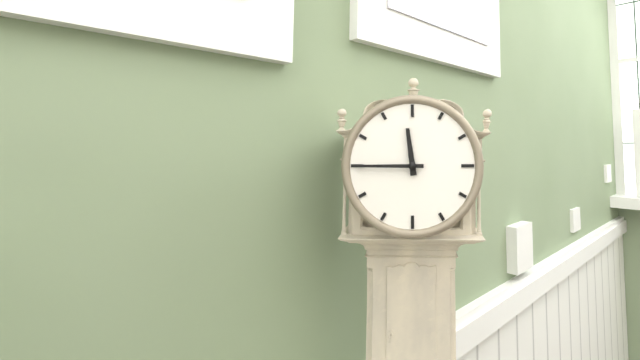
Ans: 11:45
